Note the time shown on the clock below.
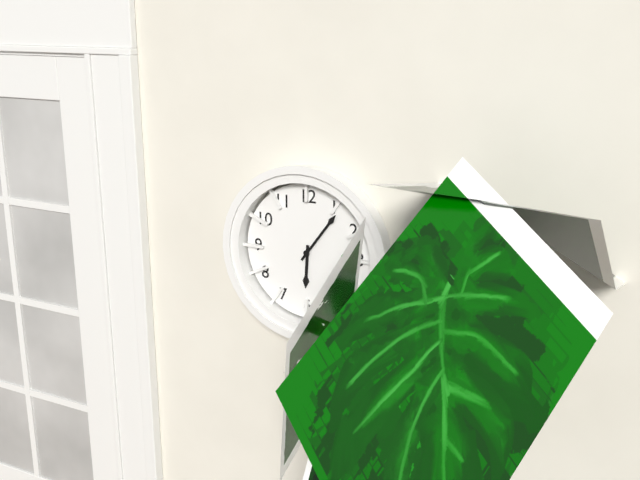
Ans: 6:06
